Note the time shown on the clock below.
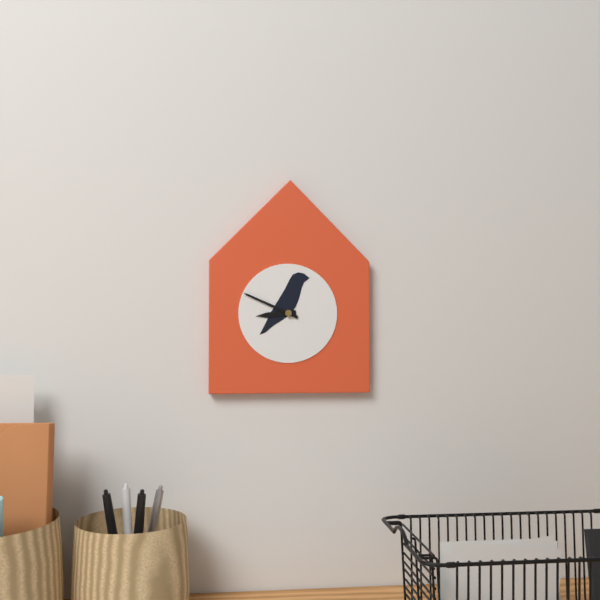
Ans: 8:49
